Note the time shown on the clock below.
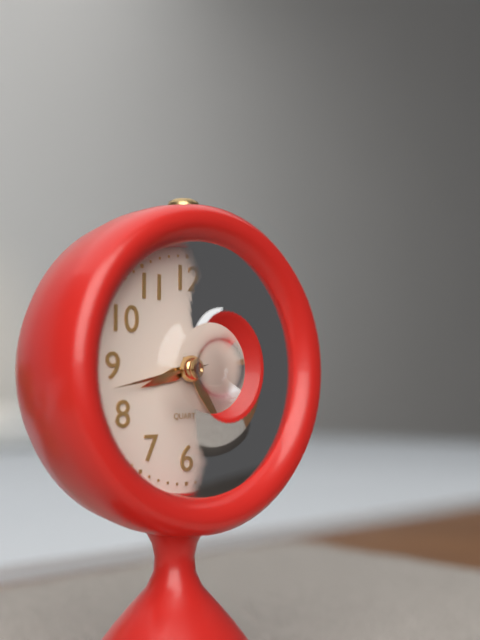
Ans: 8:24:43
